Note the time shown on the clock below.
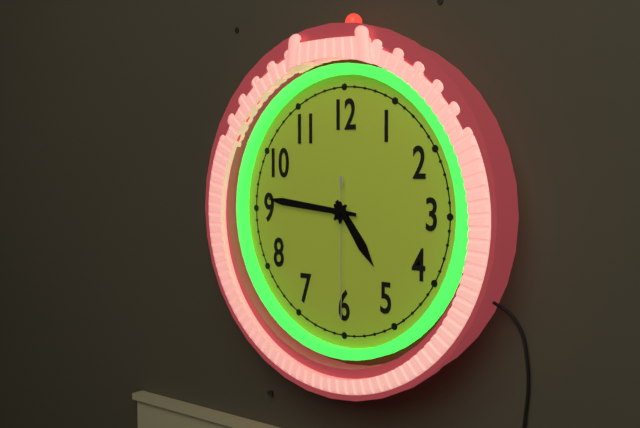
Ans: 4:46:30
